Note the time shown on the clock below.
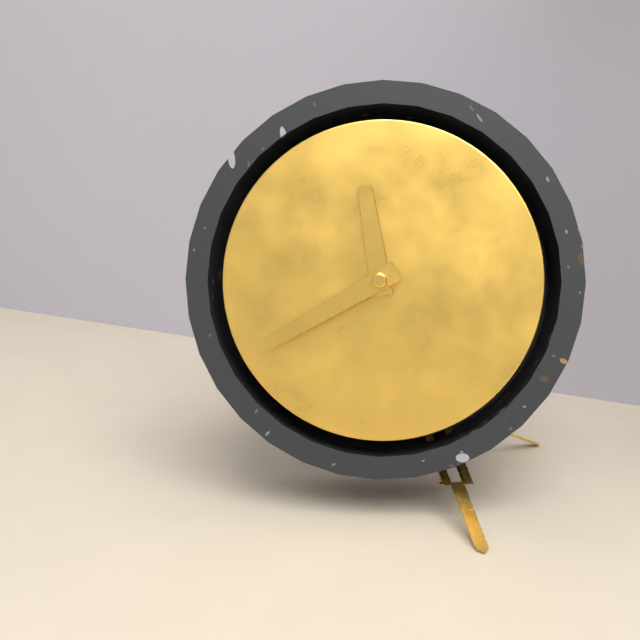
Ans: 11:40
